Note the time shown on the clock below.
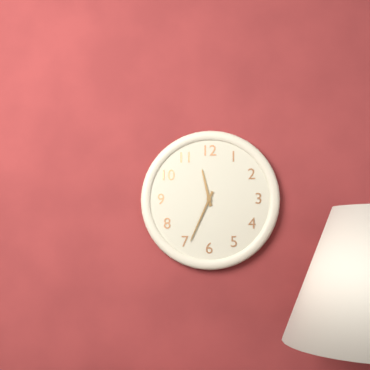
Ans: 11:34
